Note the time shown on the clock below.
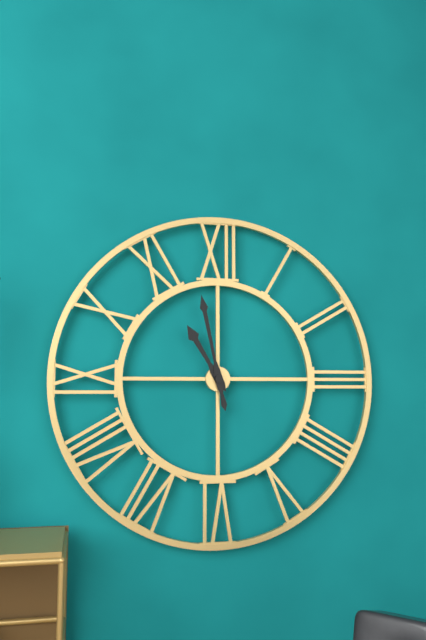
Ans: 10:58
